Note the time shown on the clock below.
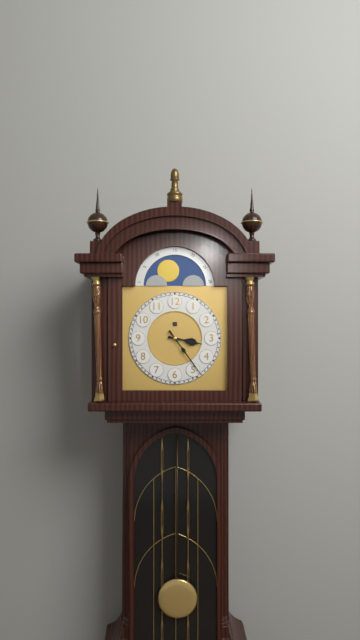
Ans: 3:24
